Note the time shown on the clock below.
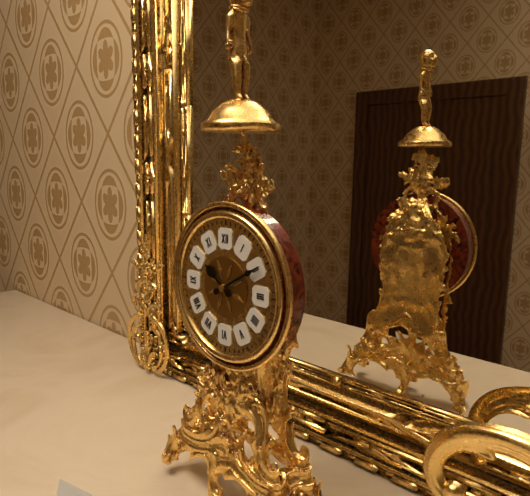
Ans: 10:10
